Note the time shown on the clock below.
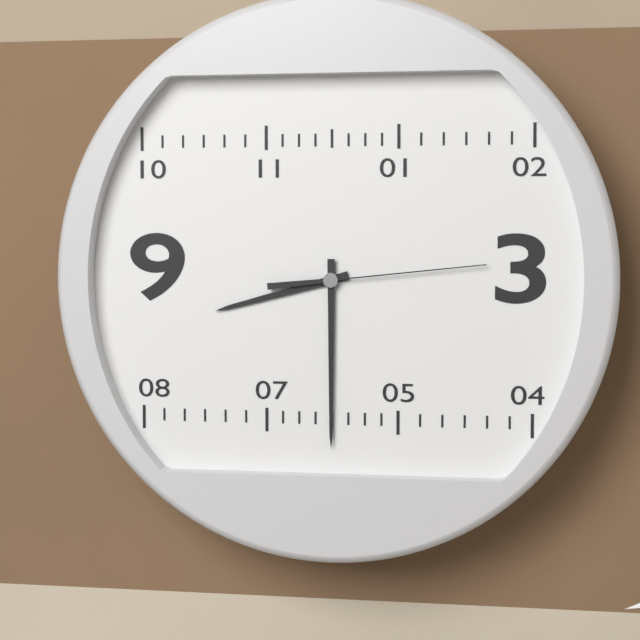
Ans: 8:30:14
